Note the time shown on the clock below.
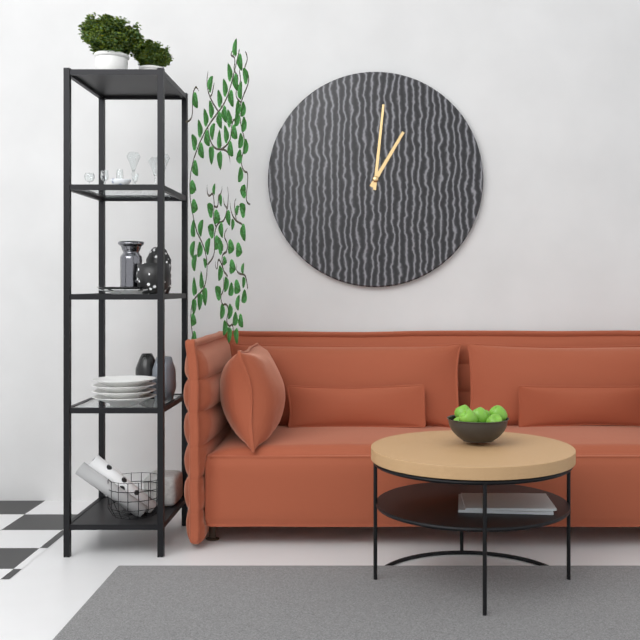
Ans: 1:01
